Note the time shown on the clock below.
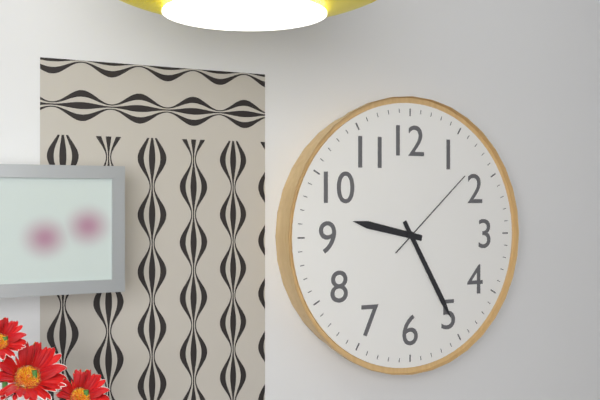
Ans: 9:25:08
